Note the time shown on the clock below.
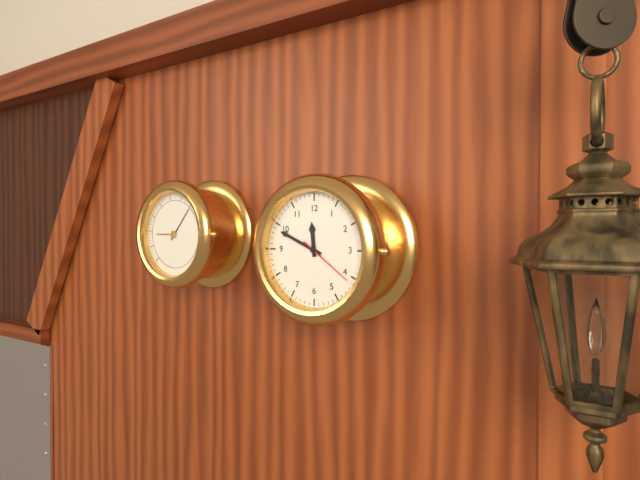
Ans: 11:49:21
